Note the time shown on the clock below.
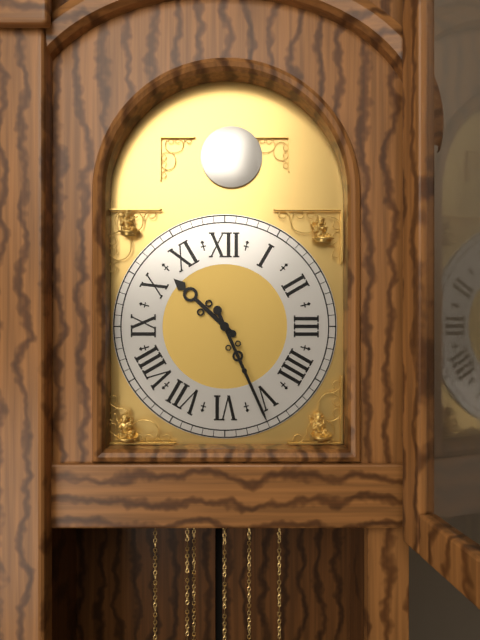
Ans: 10:26
